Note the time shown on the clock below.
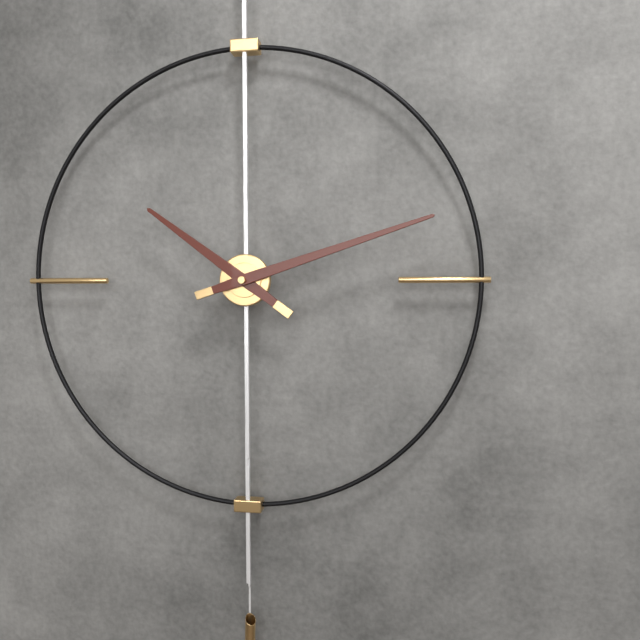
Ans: 10:12
